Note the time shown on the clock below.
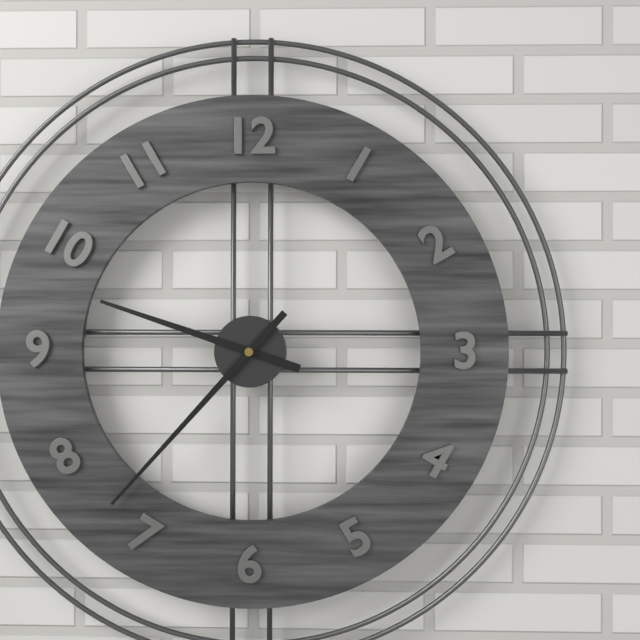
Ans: 9:37
